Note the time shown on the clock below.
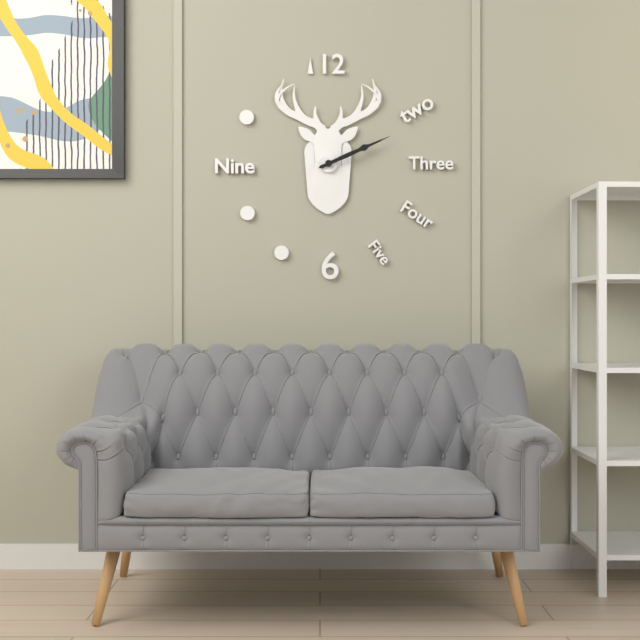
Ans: 2:11
